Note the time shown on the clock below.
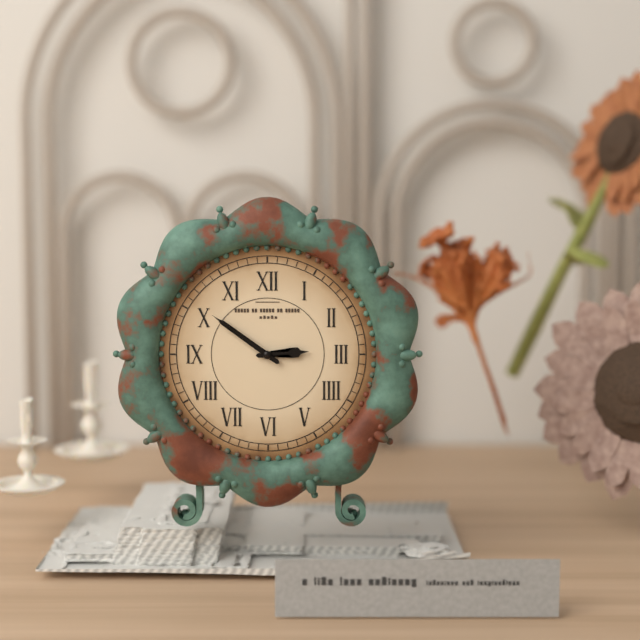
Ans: 2:51
